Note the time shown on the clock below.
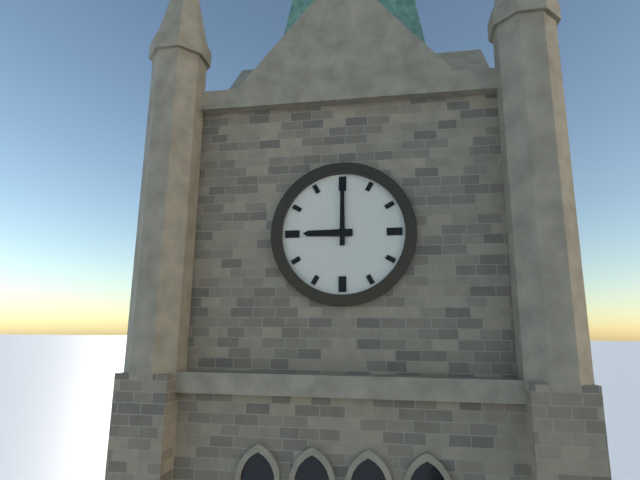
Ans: 9:00
